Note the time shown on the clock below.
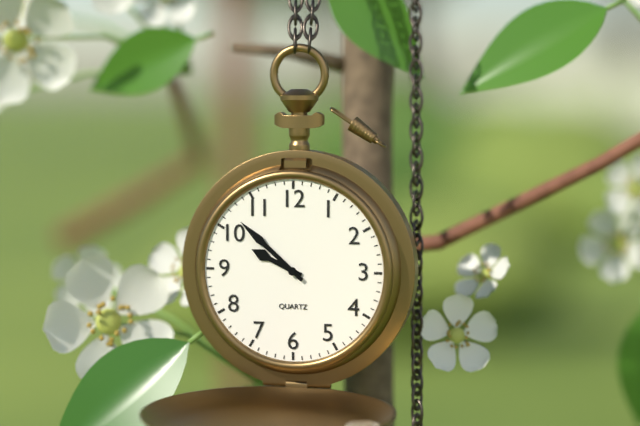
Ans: 9:52
